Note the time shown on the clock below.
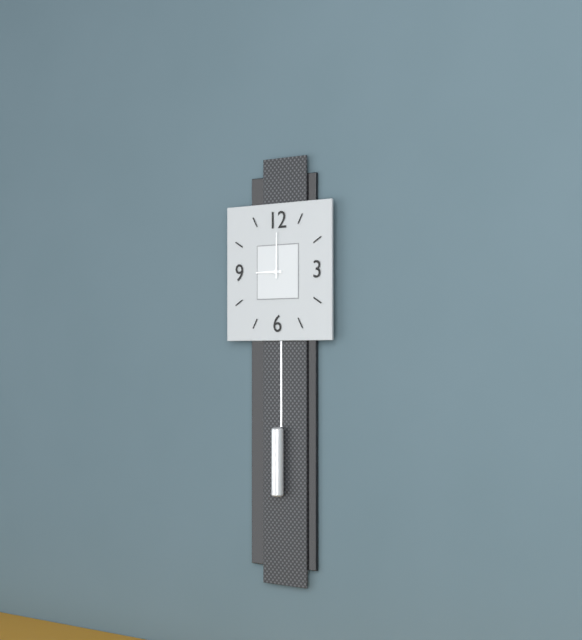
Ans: 9:00
